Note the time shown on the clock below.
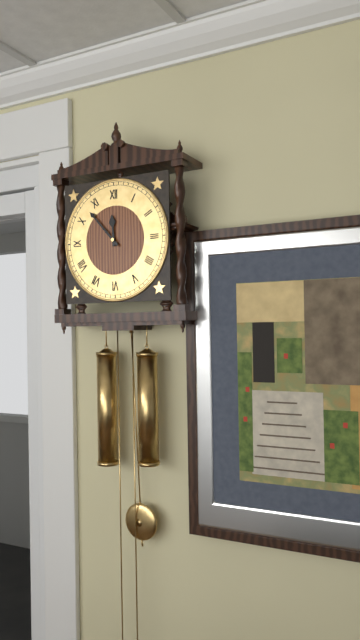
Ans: 11:53
